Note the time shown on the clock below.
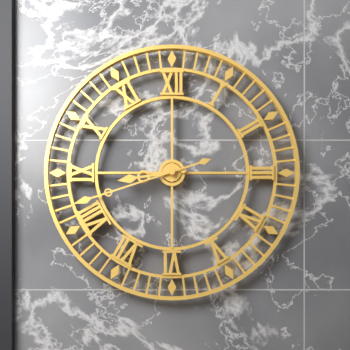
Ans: 8:42
